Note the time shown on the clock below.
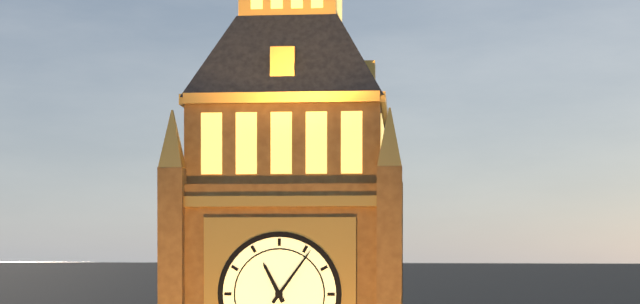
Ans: 11:06
